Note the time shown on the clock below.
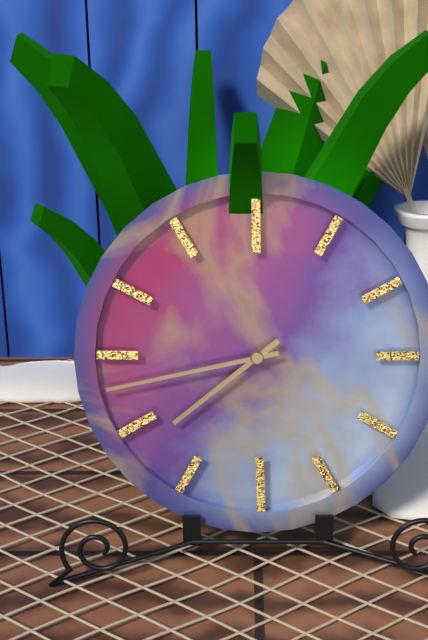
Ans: 7:43
